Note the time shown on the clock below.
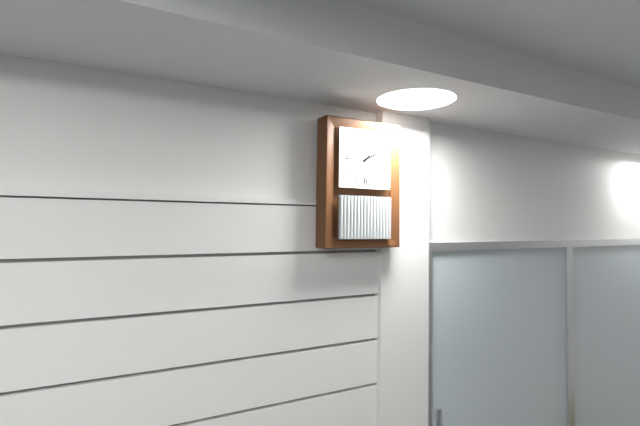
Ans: 2:07
